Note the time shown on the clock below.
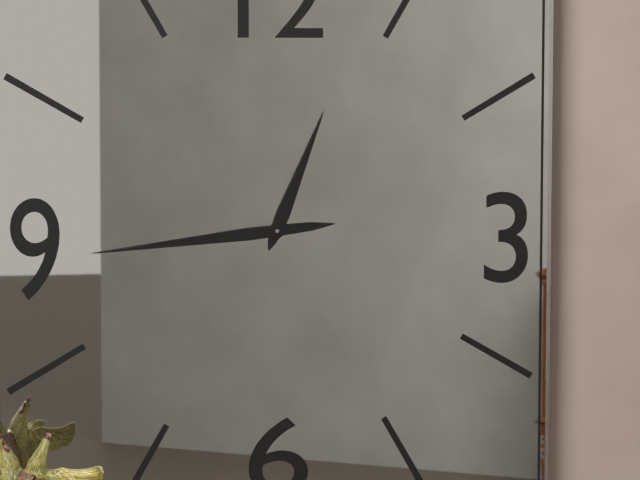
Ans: 12:44
